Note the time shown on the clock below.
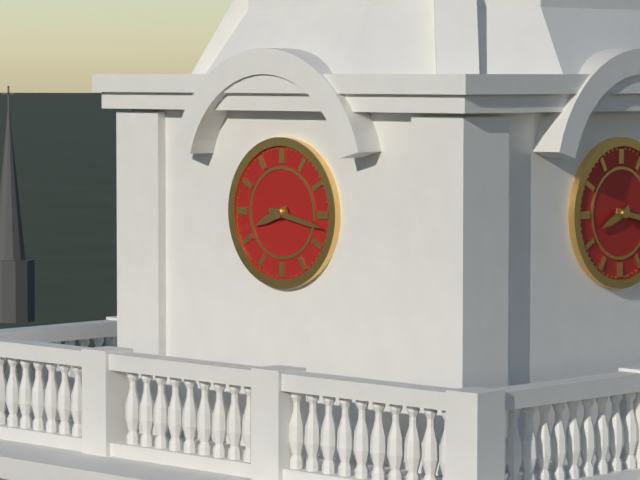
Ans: 8:17
